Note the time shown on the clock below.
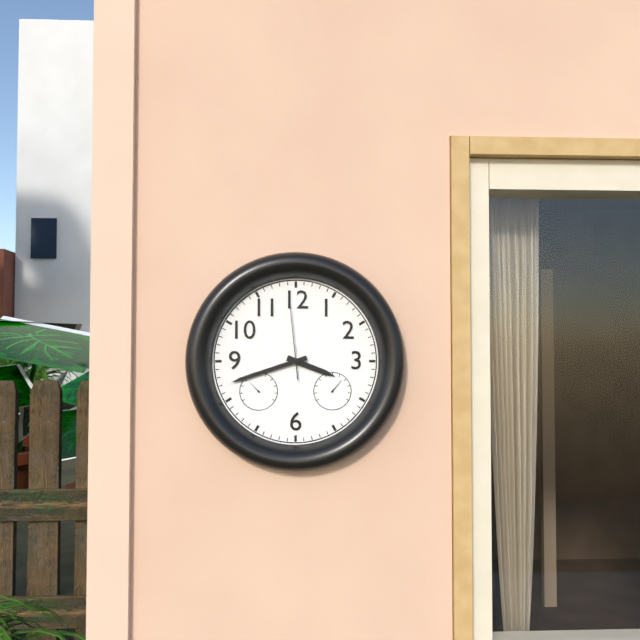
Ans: 3:42:59
